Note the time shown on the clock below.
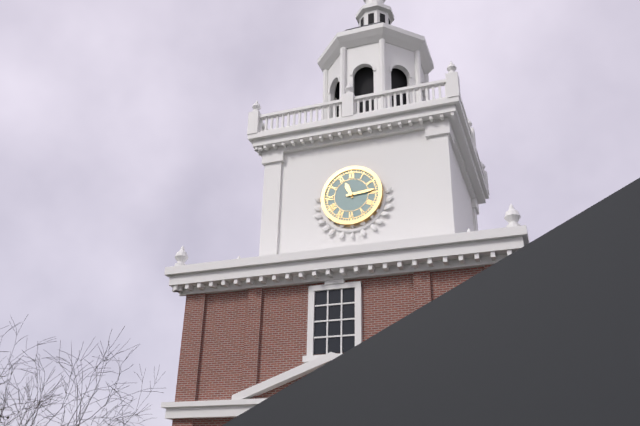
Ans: 11:14
